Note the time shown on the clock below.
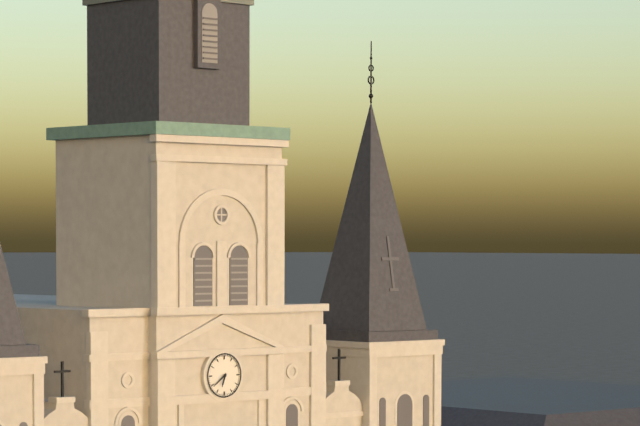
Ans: 6:39
